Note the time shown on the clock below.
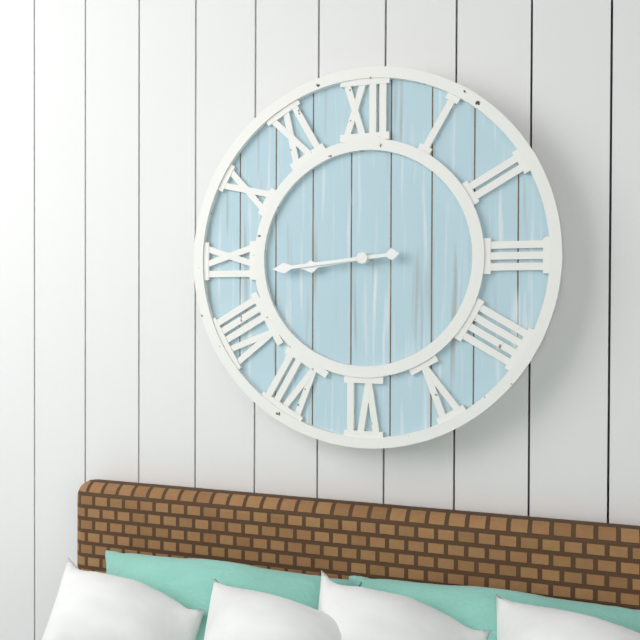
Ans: 8:44
